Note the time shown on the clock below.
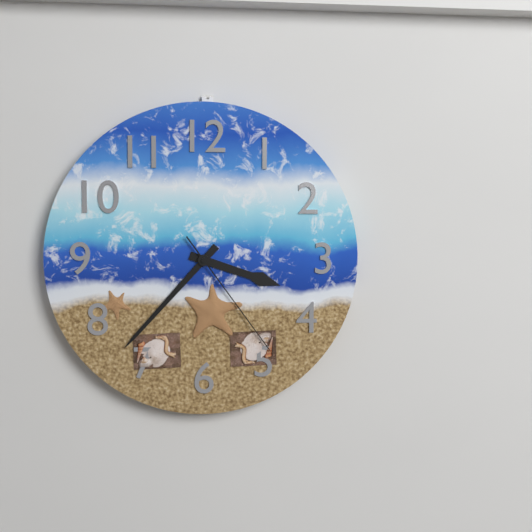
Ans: 3:37:24
